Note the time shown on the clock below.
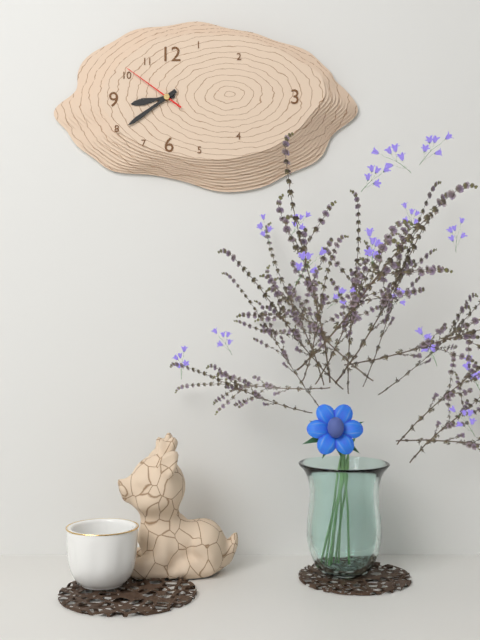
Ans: 8:39:51
